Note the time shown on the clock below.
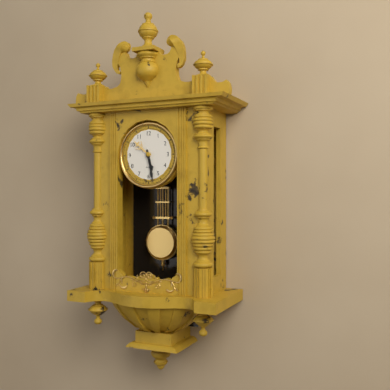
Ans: 5:28
